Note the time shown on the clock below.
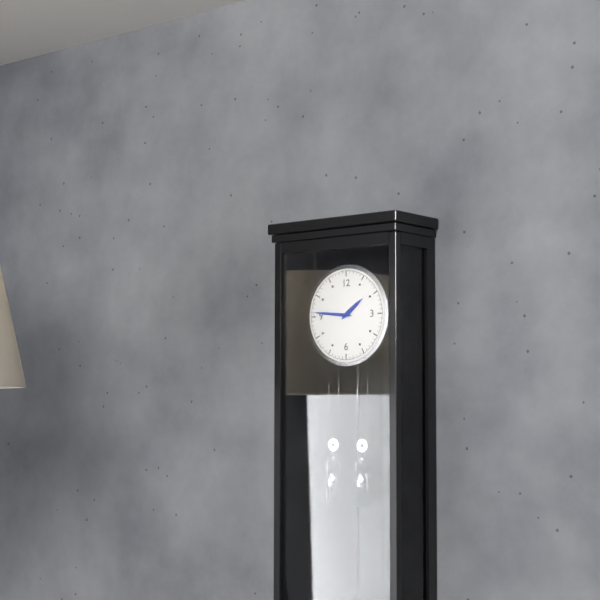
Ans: 1:46
